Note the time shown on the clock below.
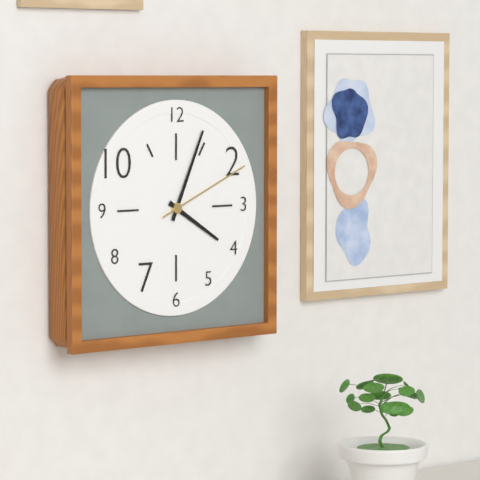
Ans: 4:04:11
